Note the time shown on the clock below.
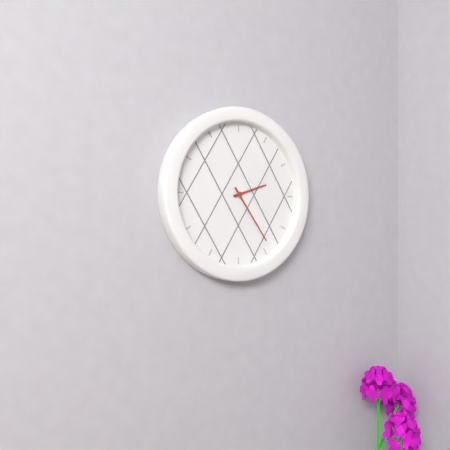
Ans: 2:24
